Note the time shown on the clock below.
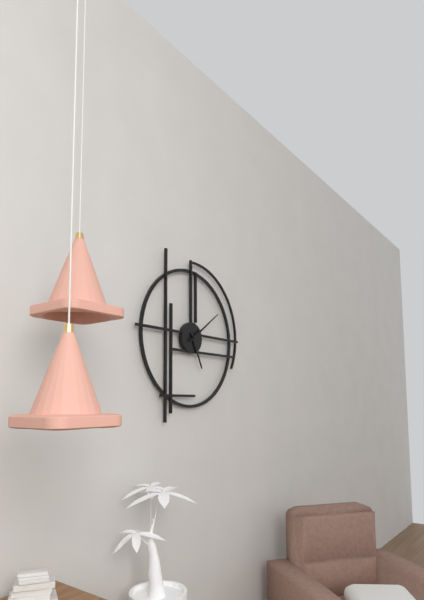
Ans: 5:09
